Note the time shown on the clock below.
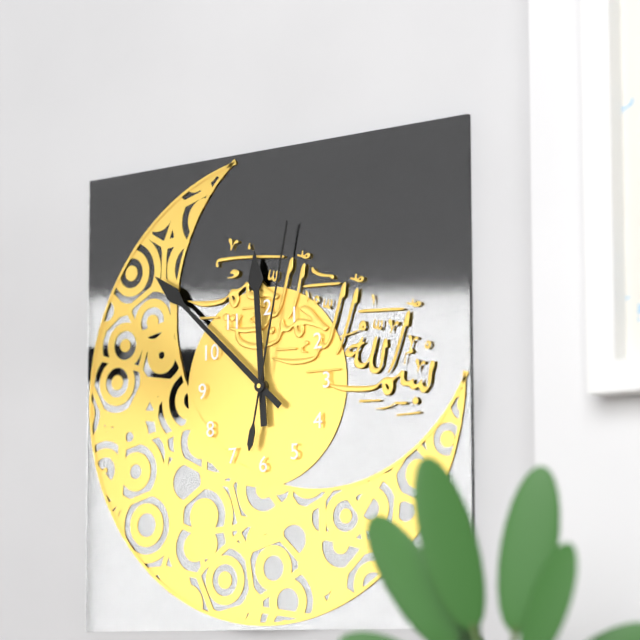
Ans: 11:52:02
